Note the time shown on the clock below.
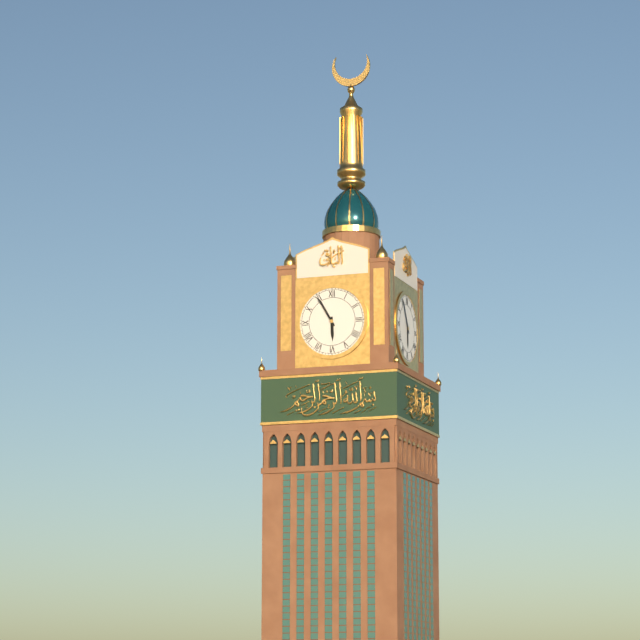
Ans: 5:55
